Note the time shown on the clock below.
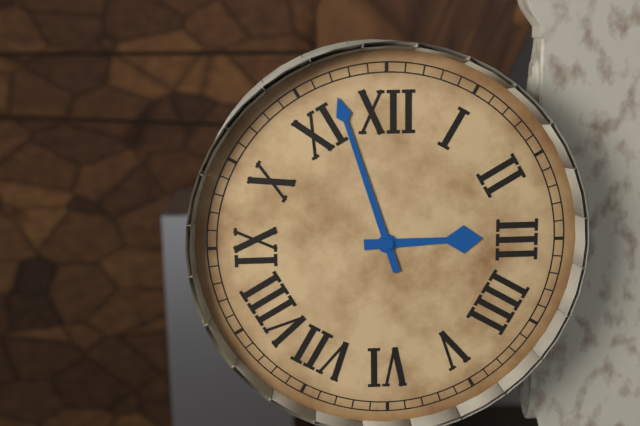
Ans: 2:57
